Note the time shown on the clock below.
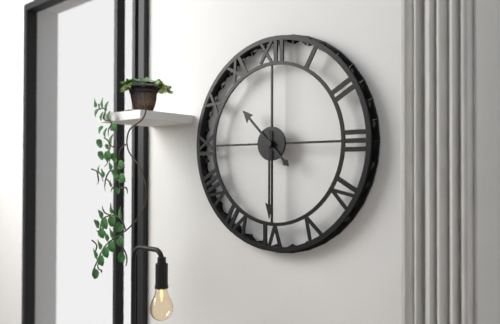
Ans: 10:30
